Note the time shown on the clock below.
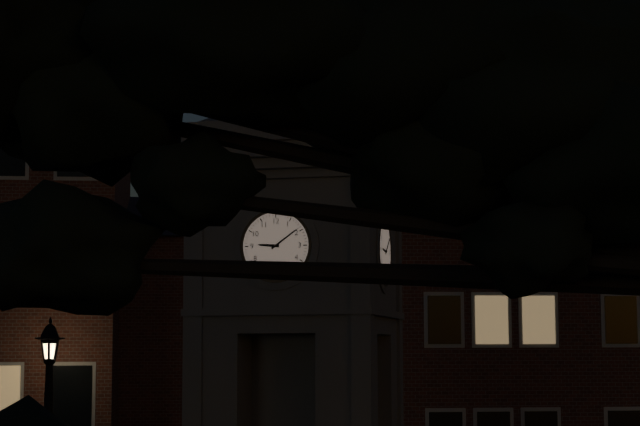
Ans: 9:09
